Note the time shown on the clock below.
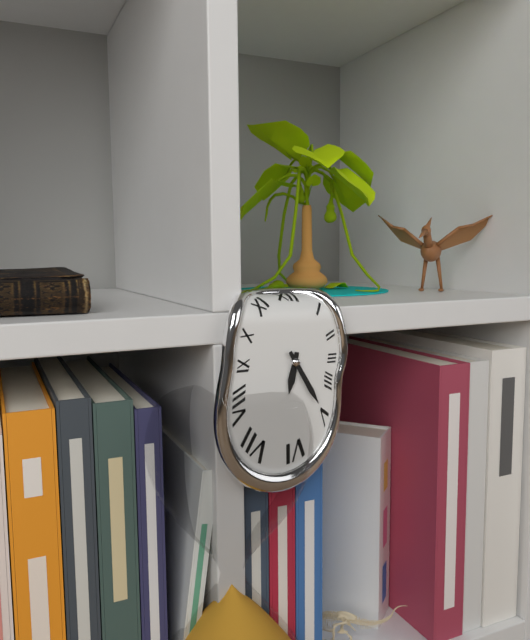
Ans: 6:25
